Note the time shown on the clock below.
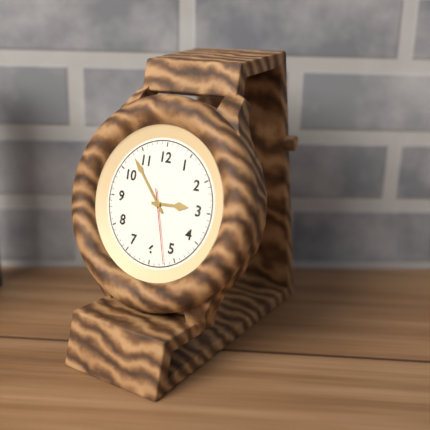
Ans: 2:53:27
